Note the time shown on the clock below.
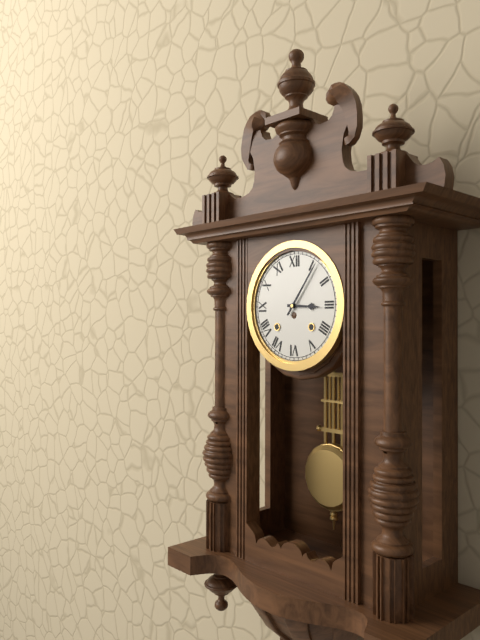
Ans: 3:06
